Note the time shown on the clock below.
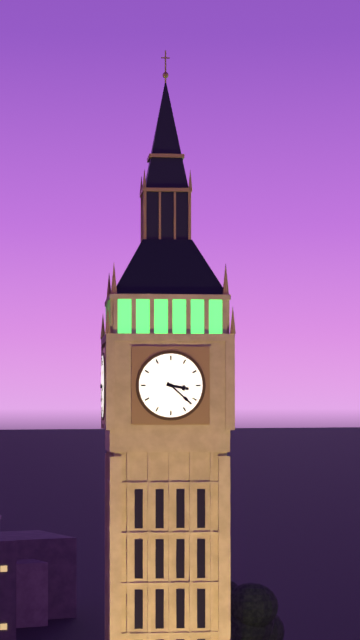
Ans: 3:22
